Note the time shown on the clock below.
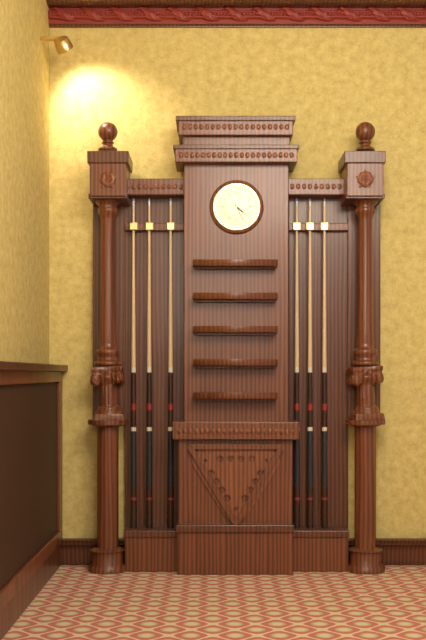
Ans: 4:26
